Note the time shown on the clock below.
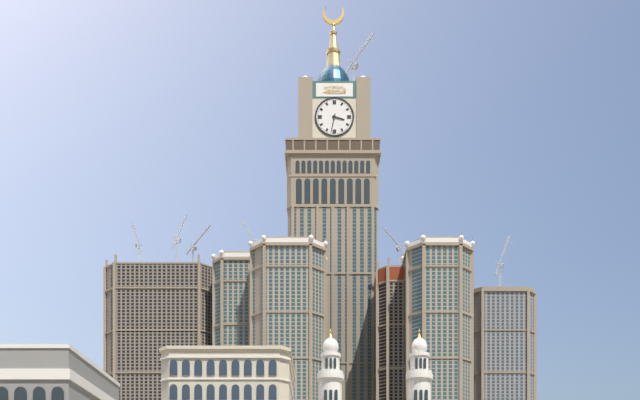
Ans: 3:32
